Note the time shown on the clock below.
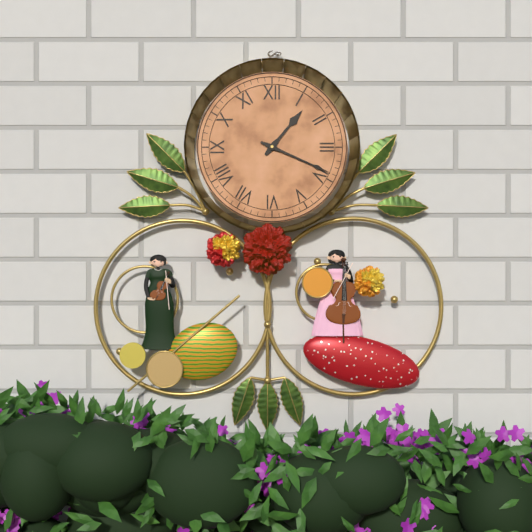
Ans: 1:19
